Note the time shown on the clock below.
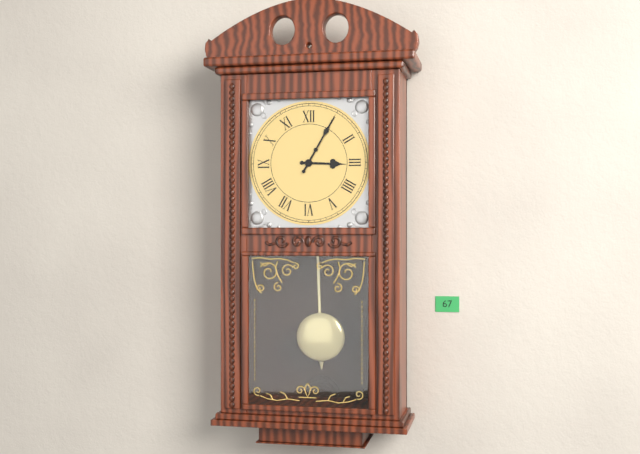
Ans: 3:05
